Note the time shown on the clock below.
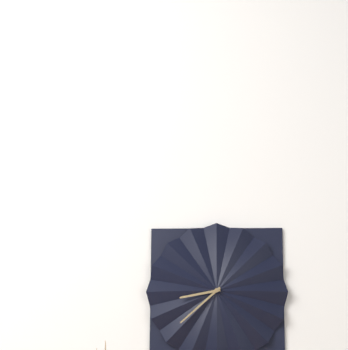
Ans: 8:38
